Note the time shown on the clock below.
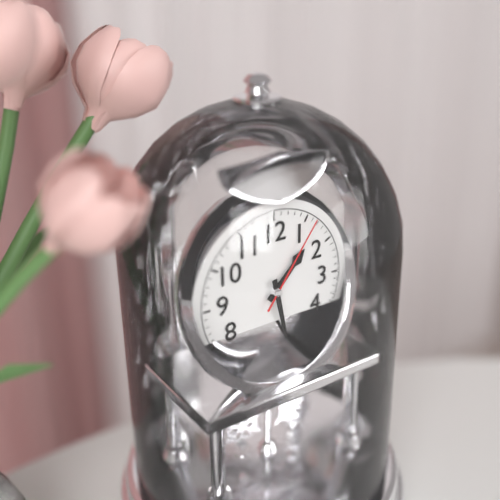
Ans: 1:28:06
